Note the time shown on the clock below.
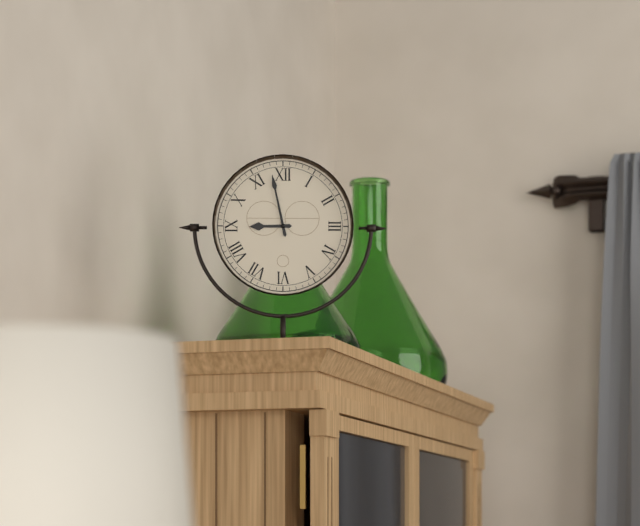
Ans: 8:58
